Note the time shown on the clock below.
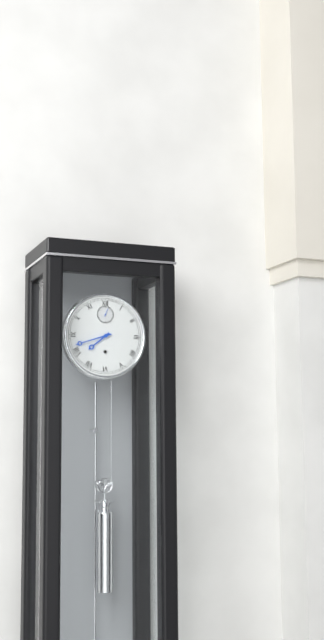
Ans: 7:42
